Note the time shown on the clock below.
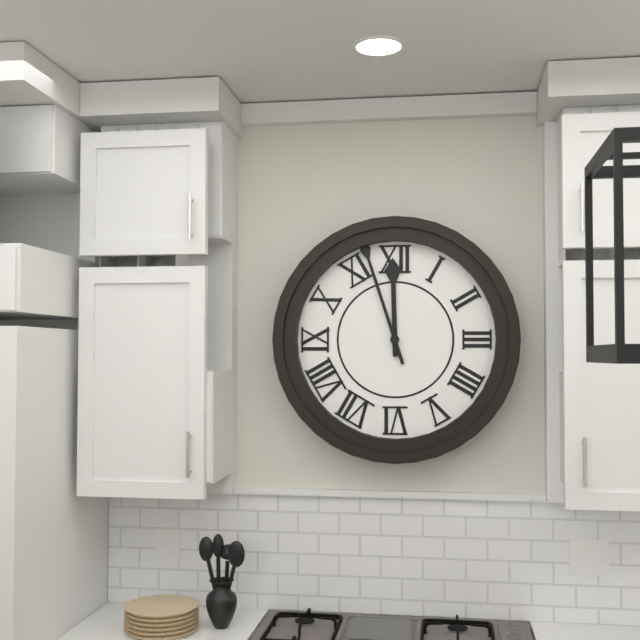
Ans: 11:57
